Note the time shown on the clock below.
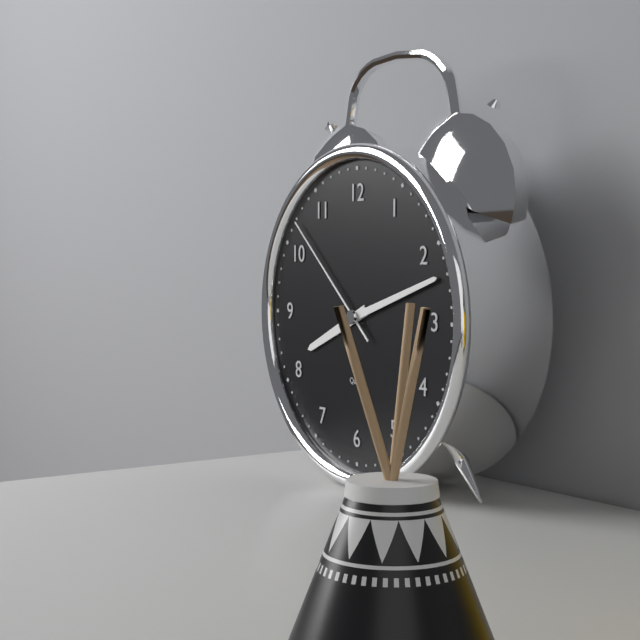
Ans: 8:12:52
